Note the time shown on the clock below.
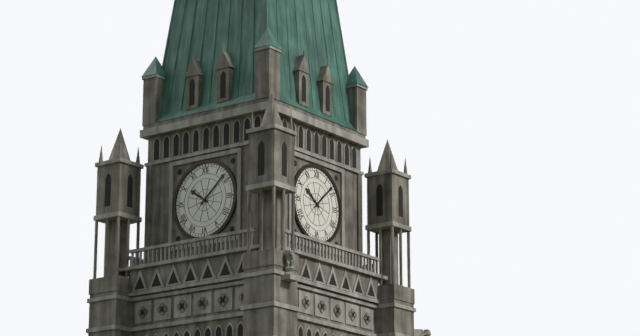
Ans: 10:08
